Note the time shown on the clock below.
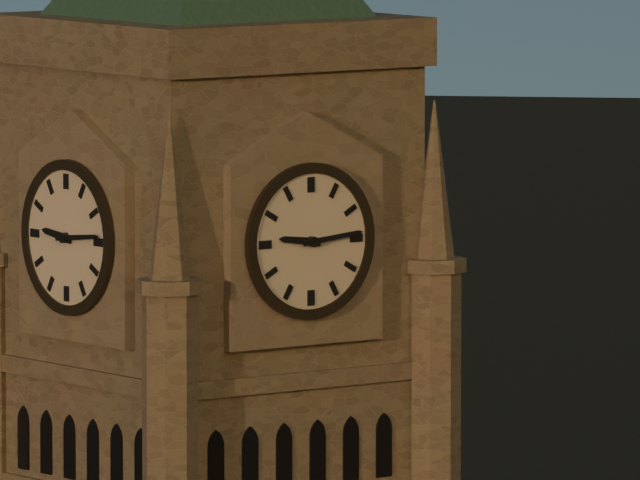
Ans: 9:14
